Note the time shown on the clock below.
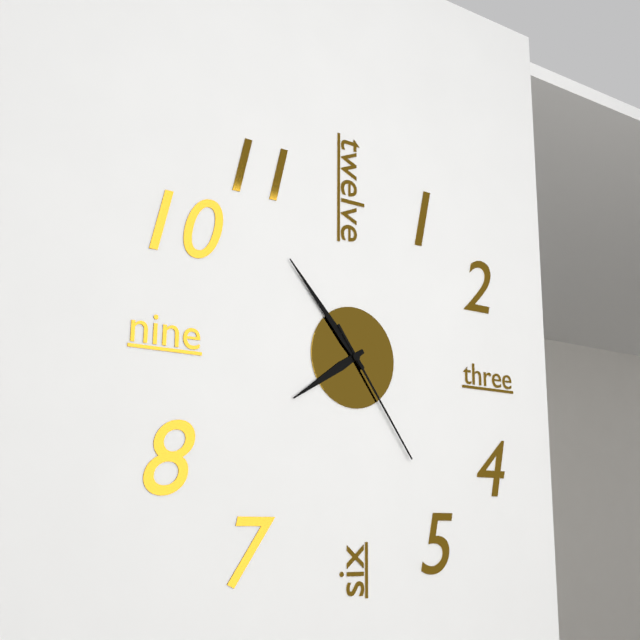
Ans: 7:53:24
